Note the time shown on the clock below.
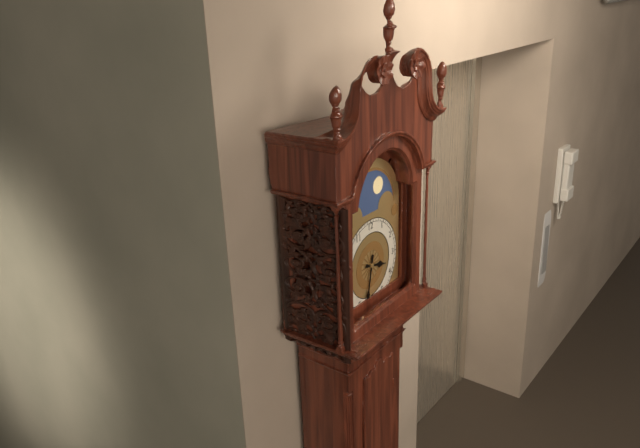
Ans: 3:32
